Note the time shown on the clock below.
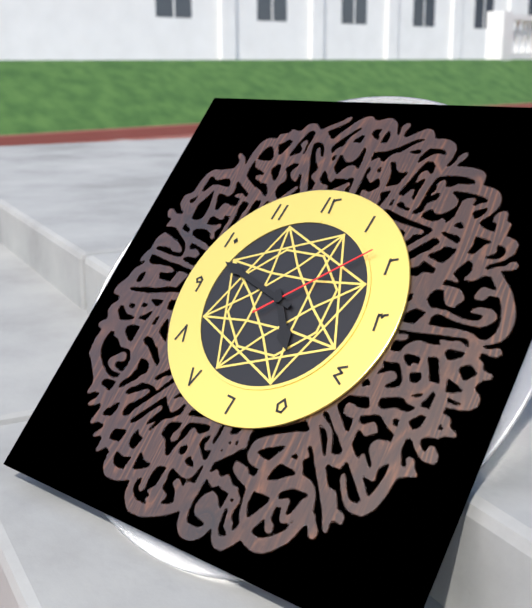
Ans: 4:48:08
